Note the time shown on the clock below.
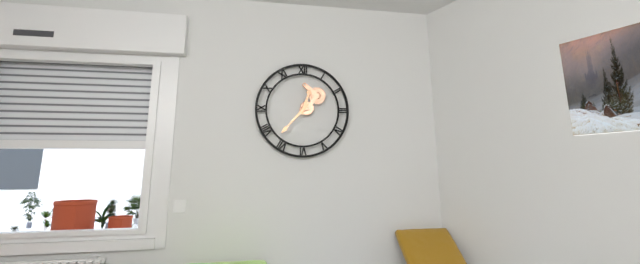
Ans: 12:37
